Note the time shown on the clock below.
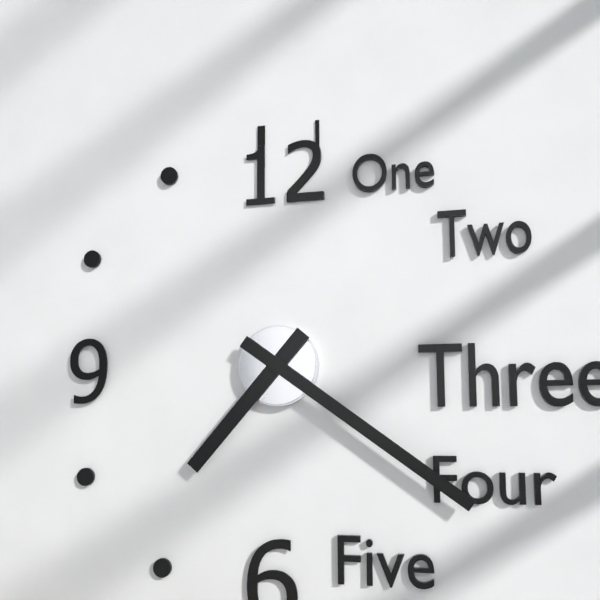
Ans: 7:21
